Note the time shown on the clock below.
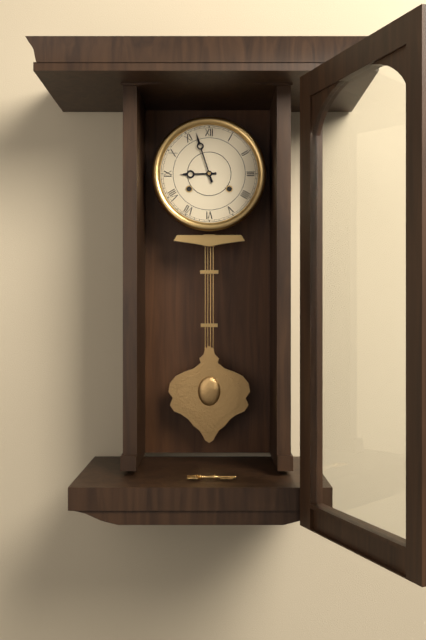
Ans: 8:57
